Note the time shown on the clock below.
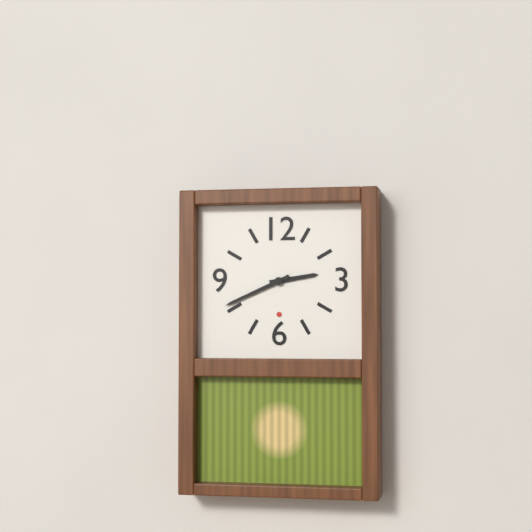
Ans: 2:41
